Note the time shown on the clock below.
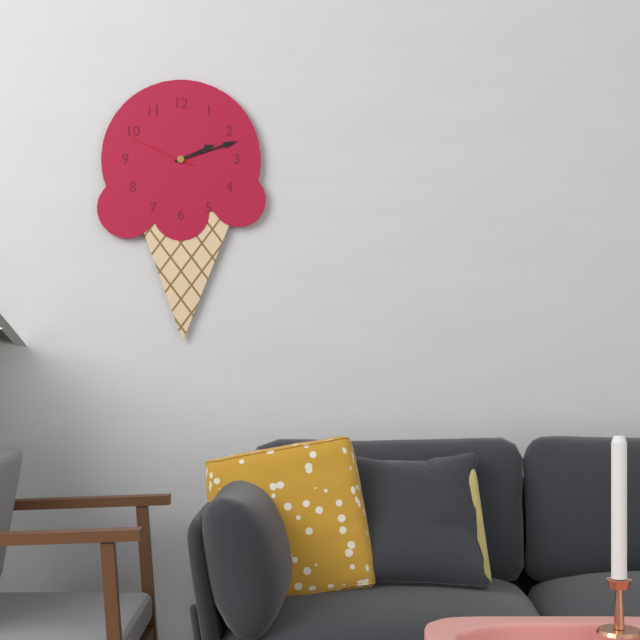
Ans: 2:12:49
